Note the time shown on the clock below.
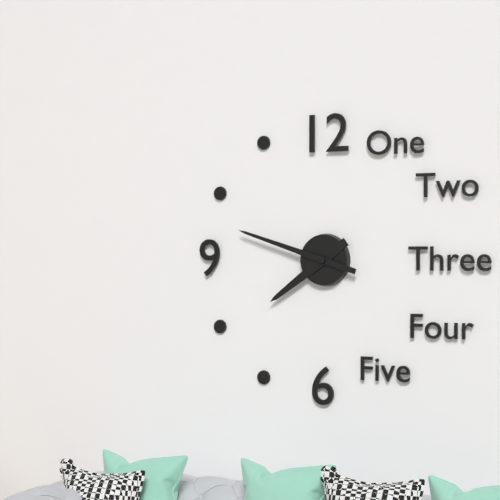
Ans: 7:48
